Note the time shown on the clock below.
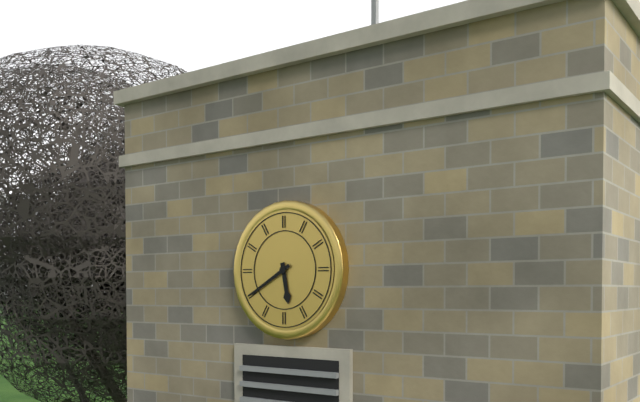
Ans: 5:40
